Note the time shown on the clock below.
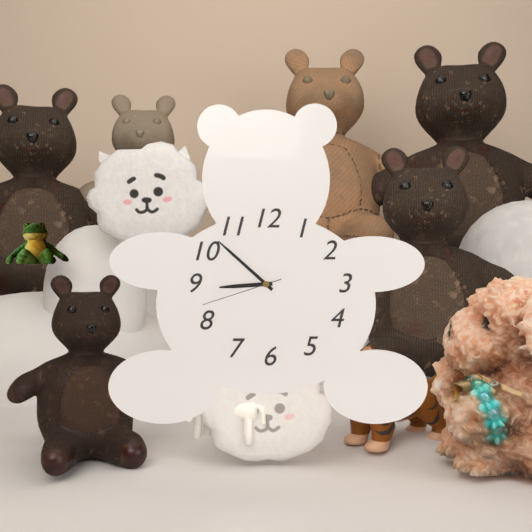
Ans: 8:52:42
